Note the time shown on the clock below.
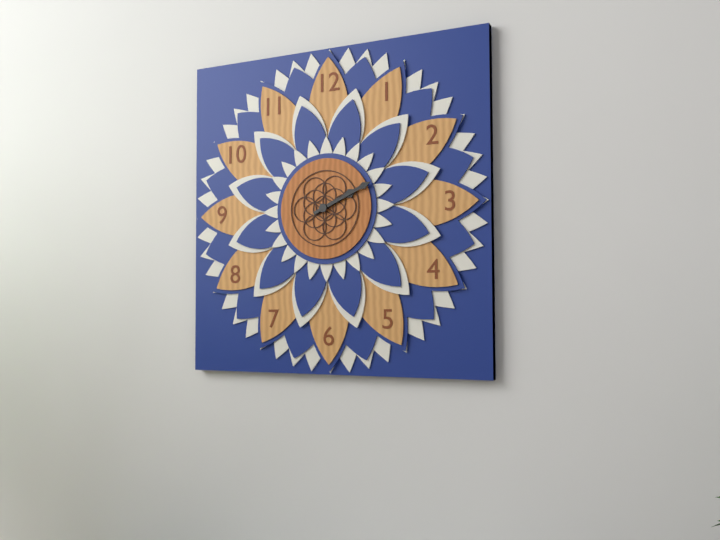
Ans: 2:11
